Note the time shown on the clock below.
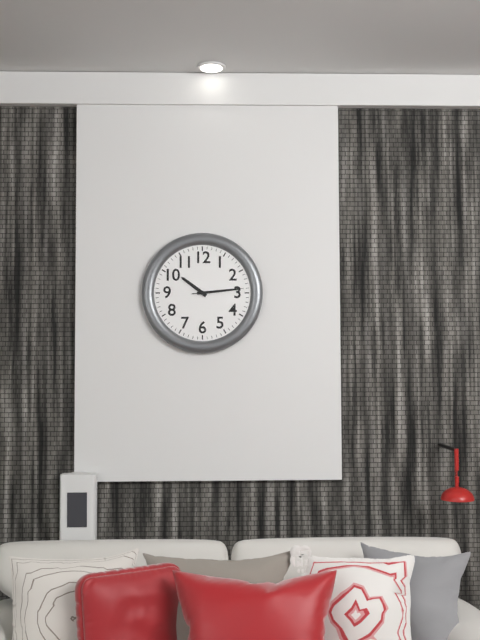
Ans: 10:14:14
